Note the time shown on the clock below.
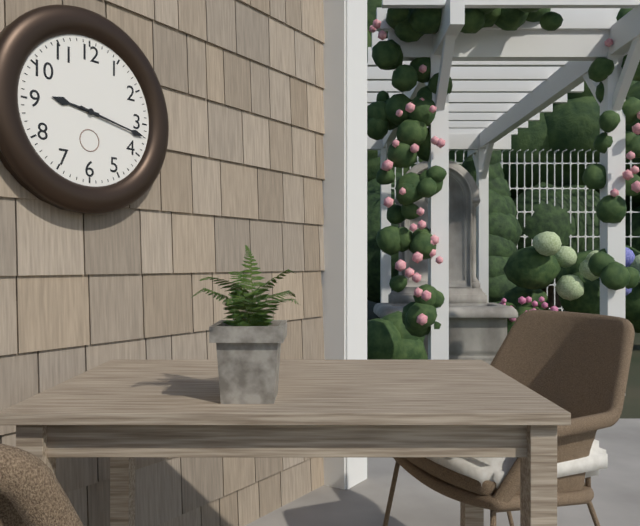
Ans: 9:17
